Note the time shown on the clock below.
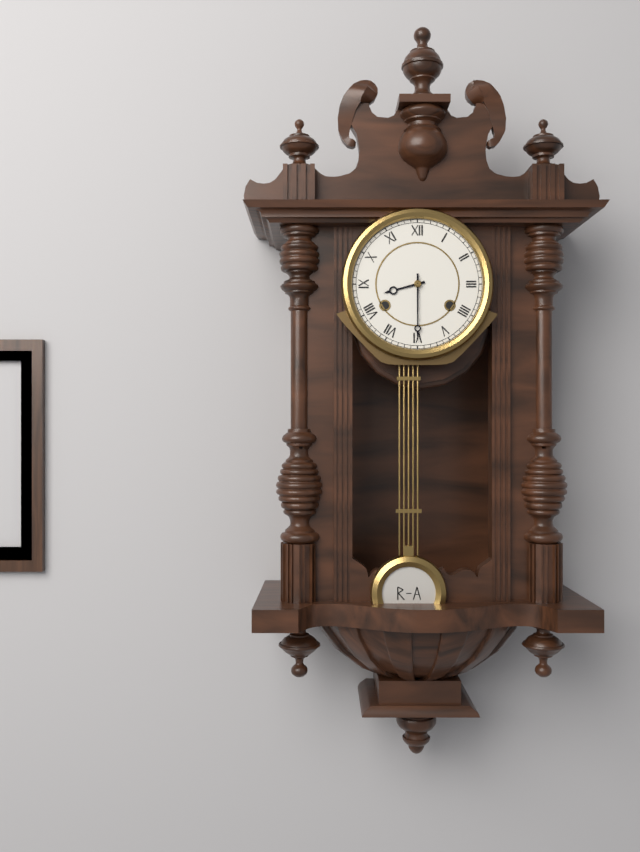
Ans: 8:30
